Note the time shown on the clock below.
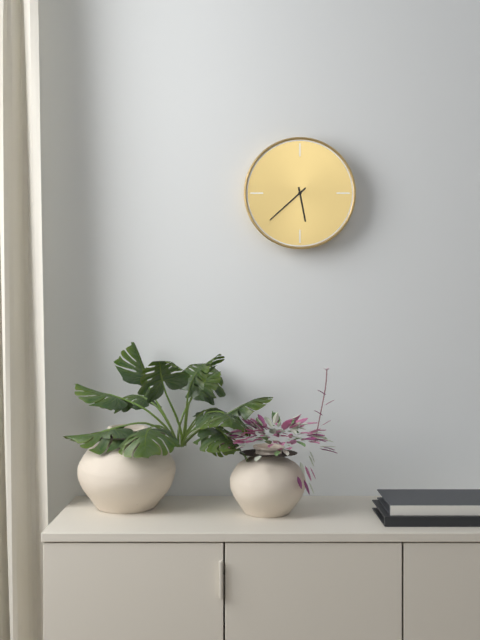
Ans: 5:38
